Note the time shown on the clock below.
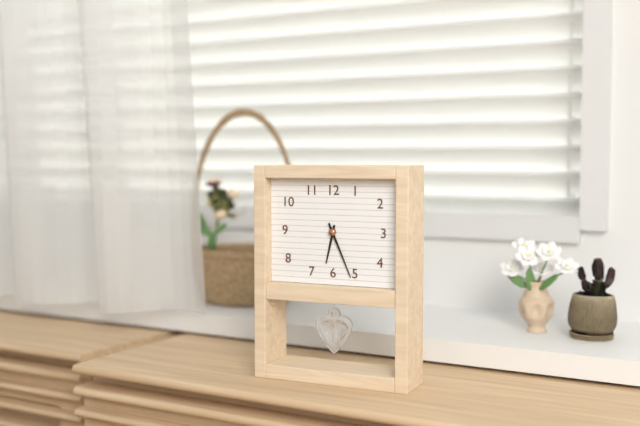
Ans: 6:26
